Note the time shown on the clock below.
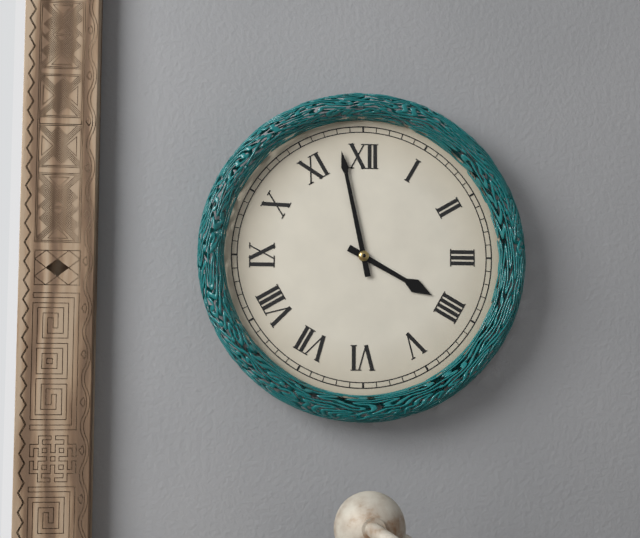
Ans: 3:58
